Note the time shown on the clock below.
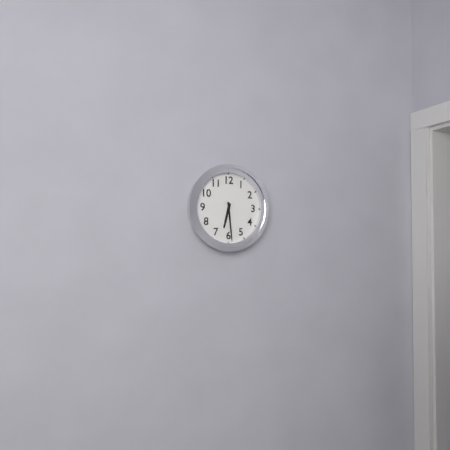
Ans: 6:29
